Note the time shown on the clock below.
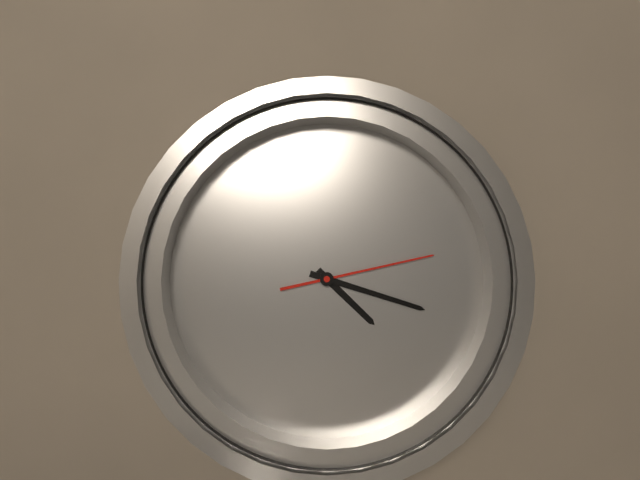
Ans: 4:17:12
